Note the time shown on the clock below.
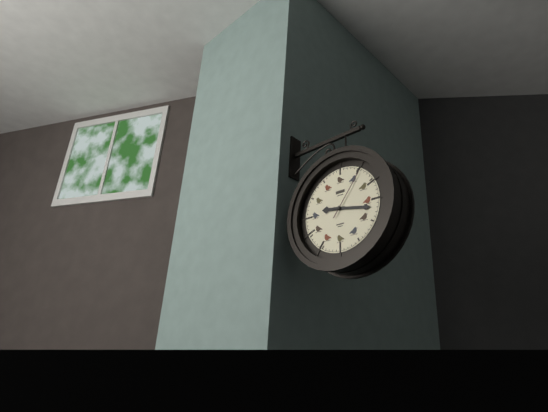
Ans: 9:17:06
